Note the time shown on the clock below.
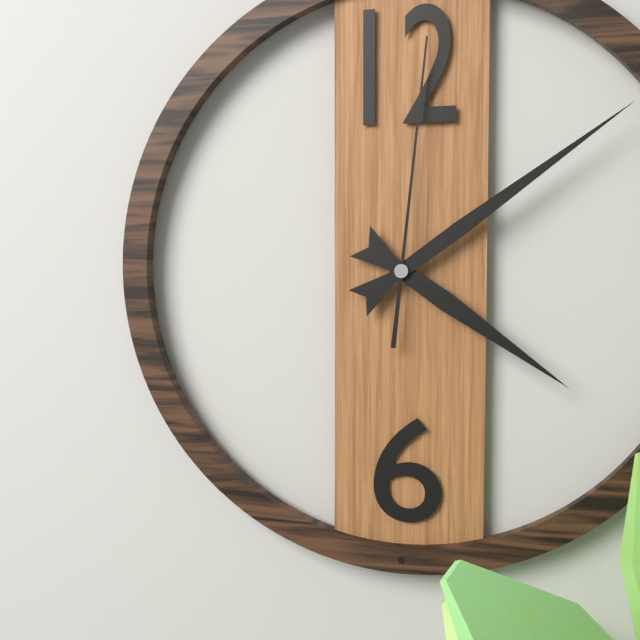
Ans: 4:09:01
